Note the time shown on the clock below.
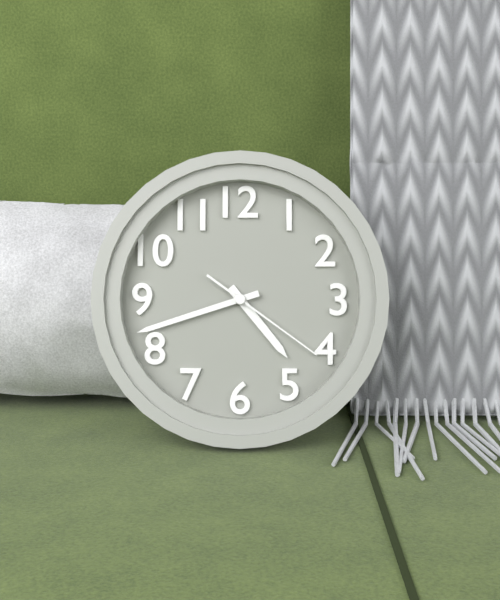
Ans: 4:42:21
